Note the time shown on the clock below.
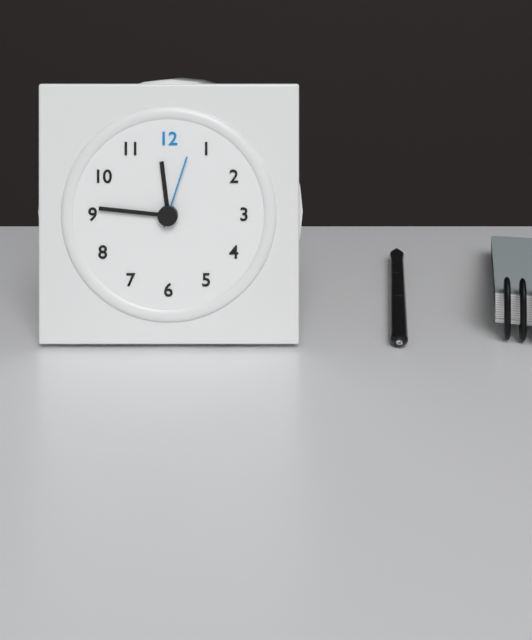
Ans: 11:46:03
